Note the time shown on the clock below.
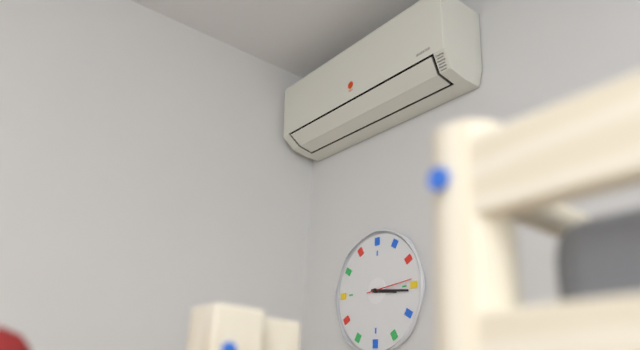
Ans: 3:16
